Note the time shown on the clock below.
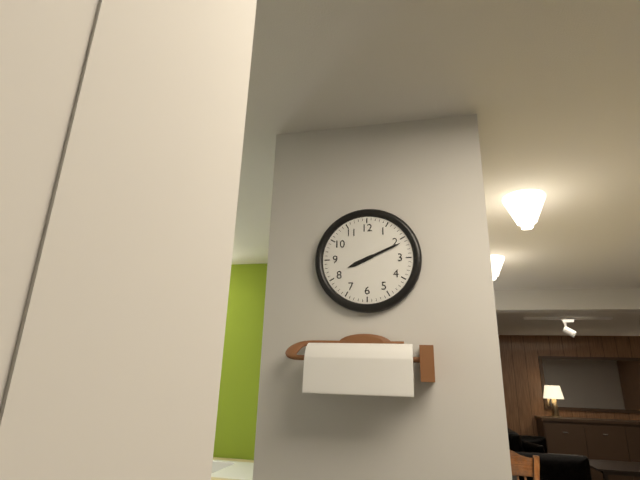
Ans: 8:11
